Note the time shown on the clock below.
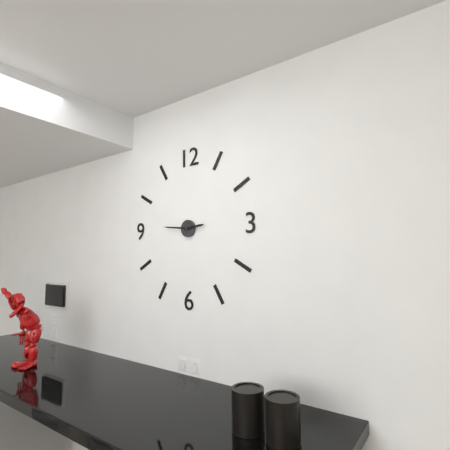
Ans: 2:46
